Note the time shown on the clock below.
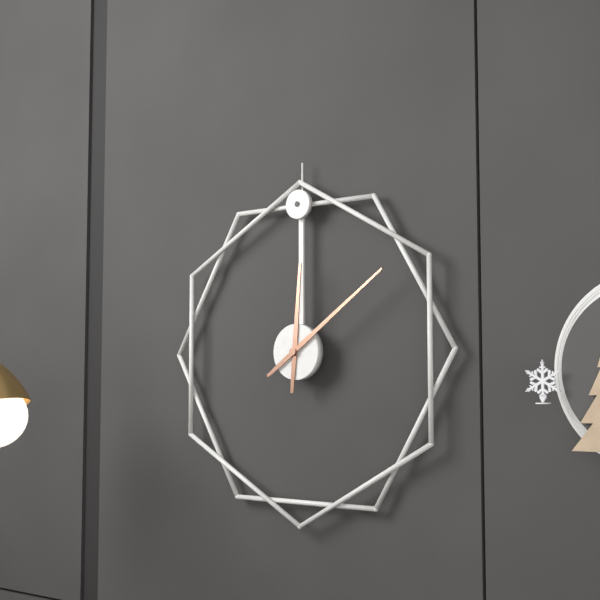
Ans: 12:09
